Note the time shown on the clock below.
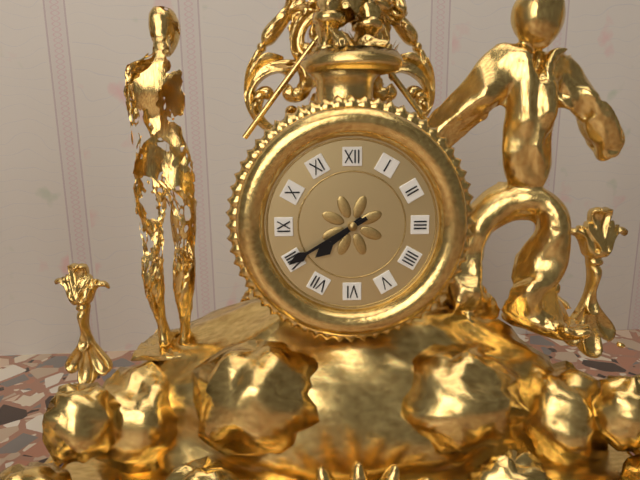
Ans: 7:40
